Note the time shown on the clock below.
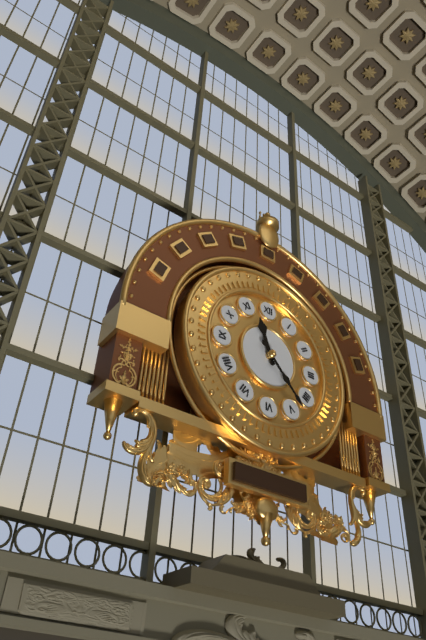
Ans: 11:23
